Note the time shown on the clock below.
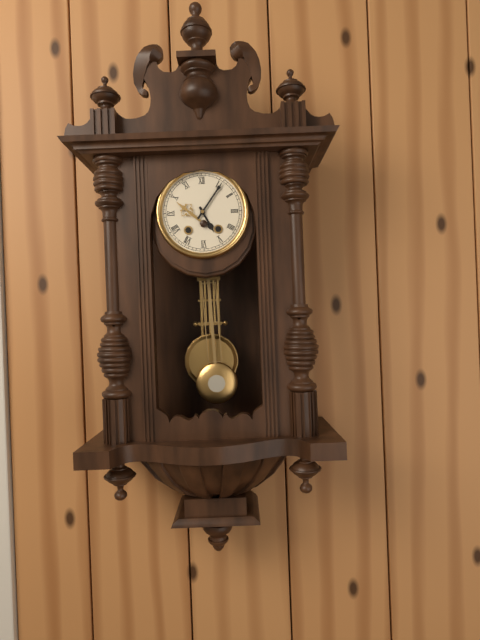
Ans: 5:06
